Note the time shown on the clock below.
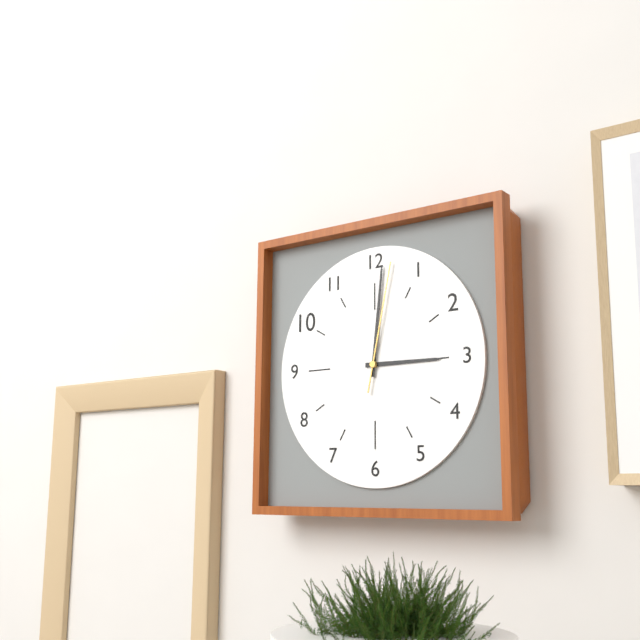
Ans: 3:01:02
